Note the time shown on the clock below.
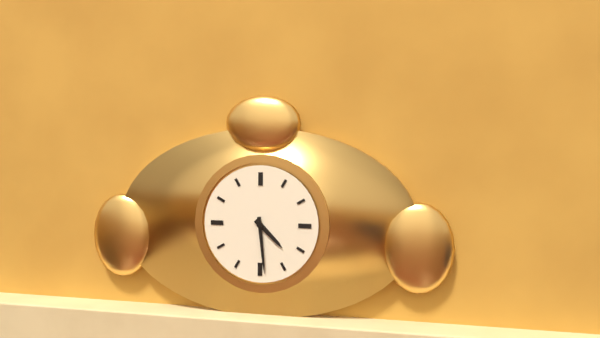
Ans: 4:29
